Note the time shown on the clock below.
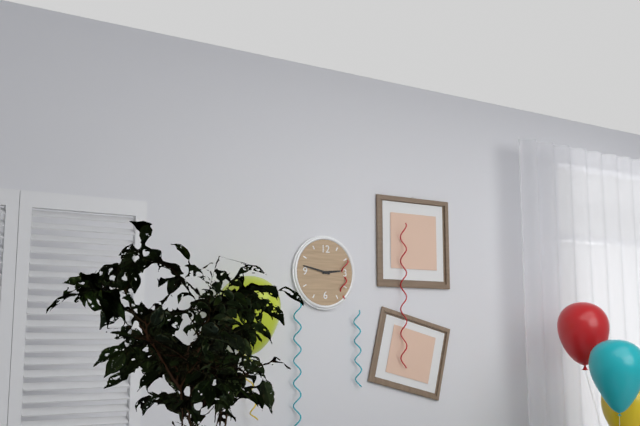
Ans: 2:47
